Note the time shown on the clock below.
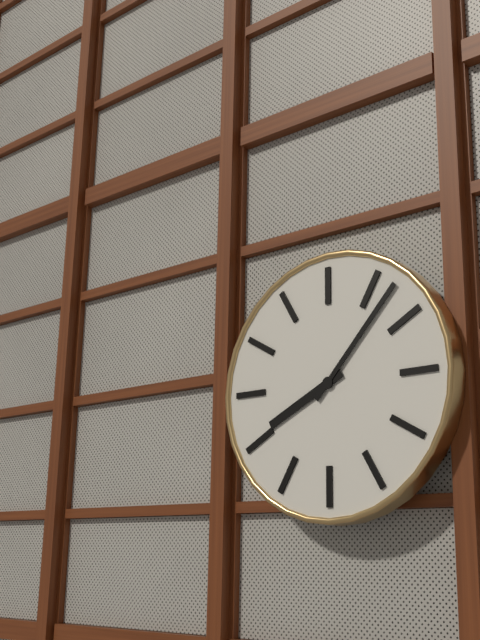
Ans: 8:07
